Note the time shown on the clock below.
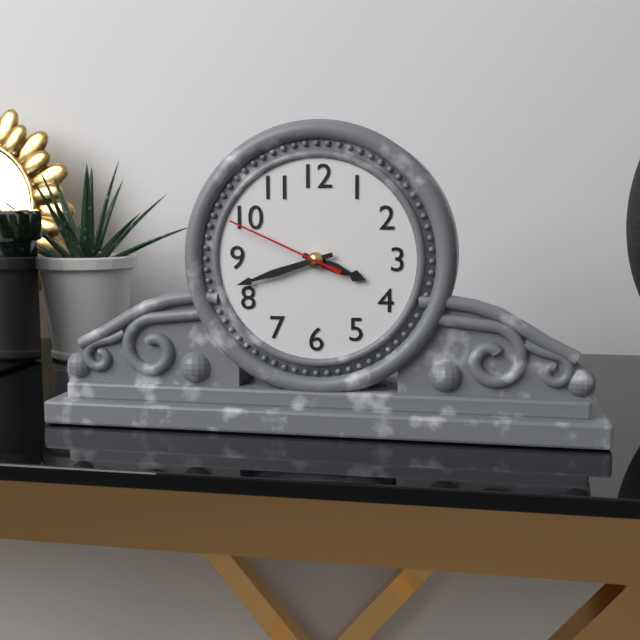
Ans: 3:42:49
